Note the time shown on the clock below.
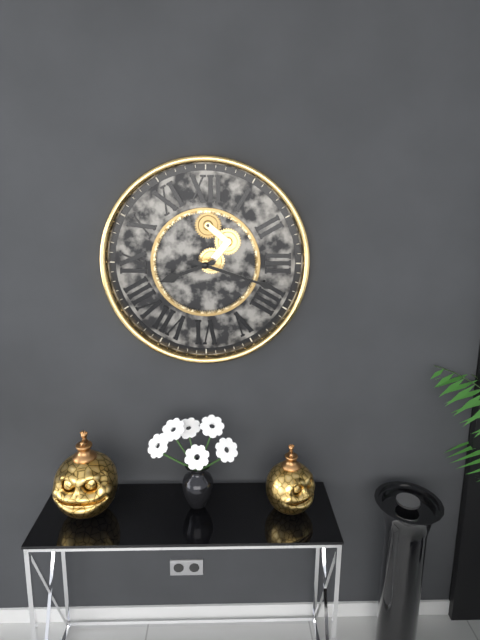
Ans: 8:18
